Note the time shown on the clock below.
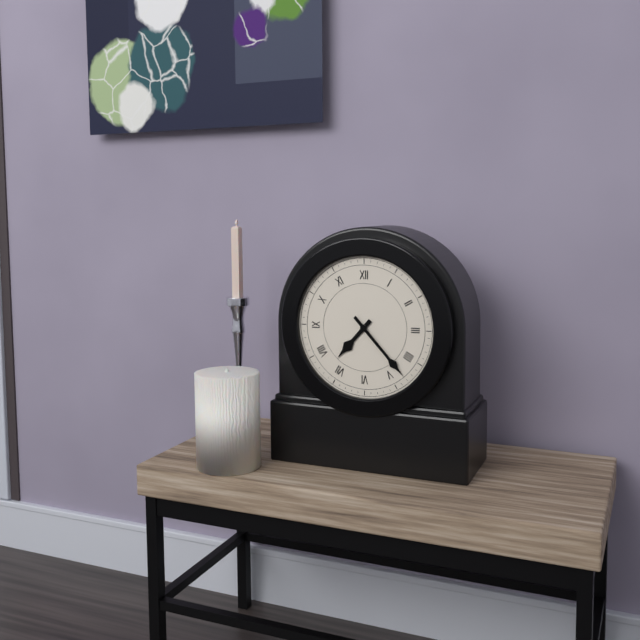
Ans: 7:23
